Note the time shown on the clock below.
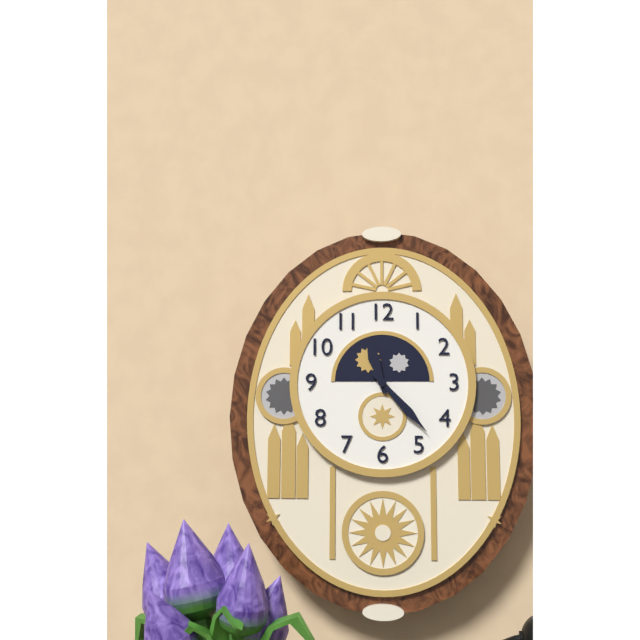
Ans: 11:23
